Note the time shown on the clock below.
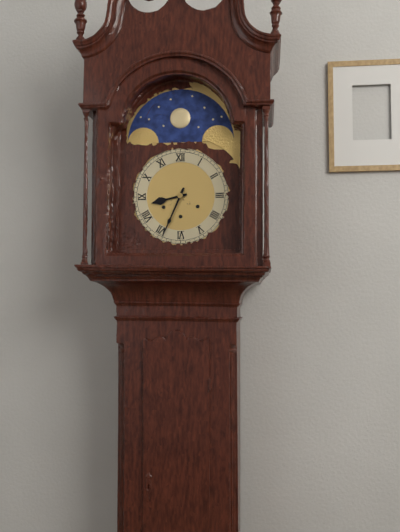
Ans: 8:34
